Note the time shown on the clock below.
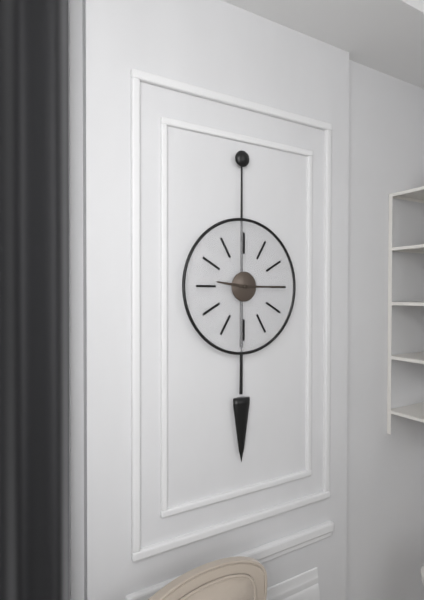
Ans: 9:15
